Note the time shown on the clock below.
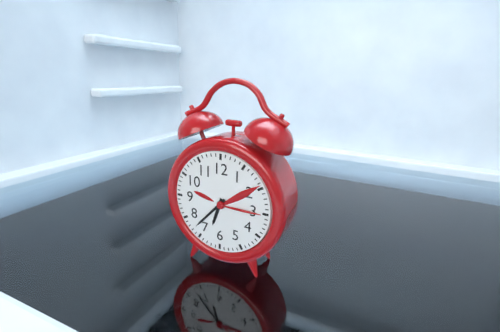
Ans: 6:37
